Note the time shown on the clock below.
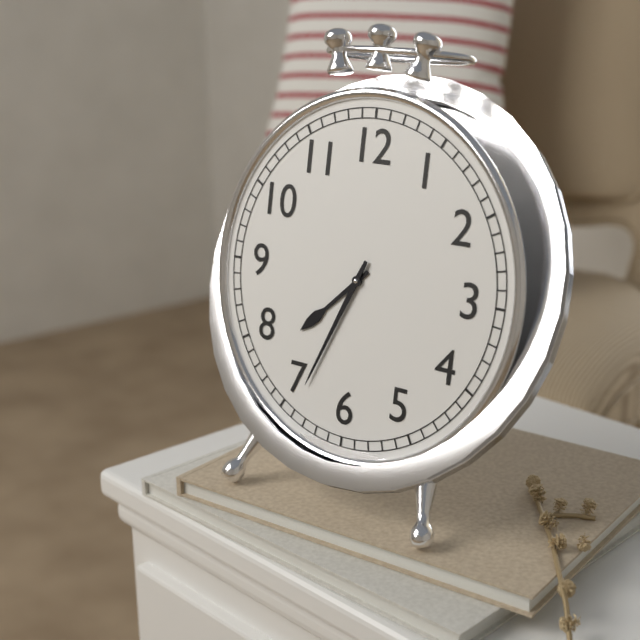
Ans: 7:34
